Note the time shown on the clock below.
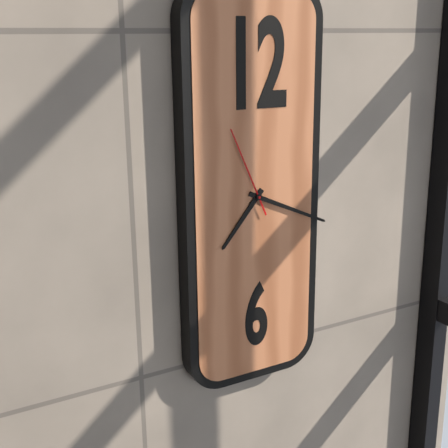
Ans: 7:19:56
